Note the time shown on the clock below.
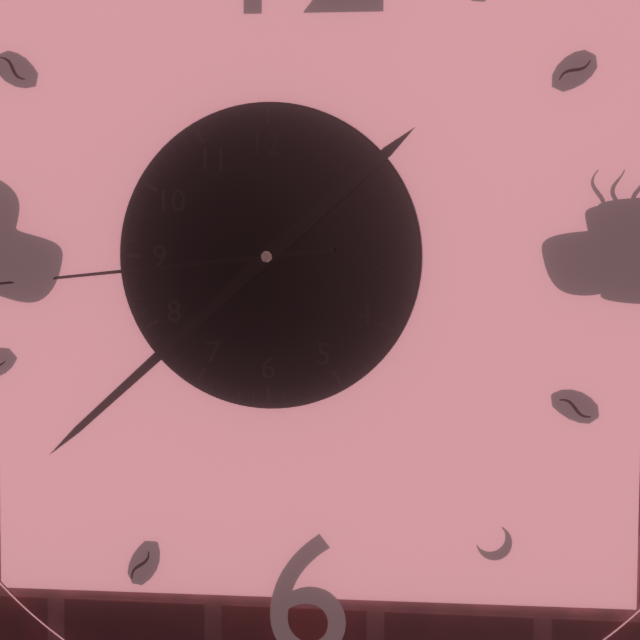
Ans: 1:38
